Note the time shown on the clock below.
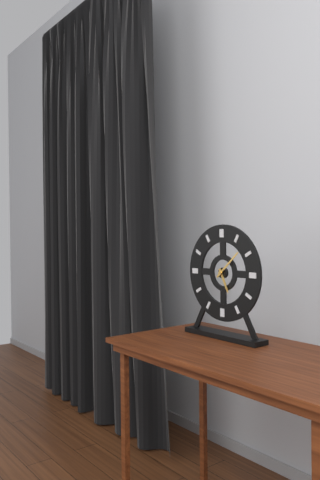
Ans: 5:08
